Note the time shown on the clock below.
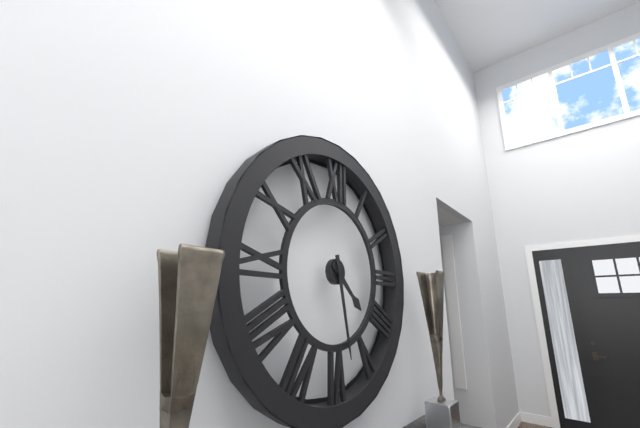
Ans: 4:28
